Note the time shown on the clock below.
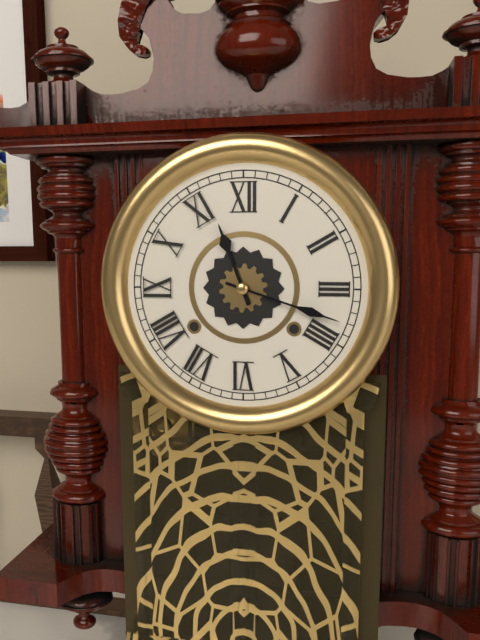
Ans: 11:18
